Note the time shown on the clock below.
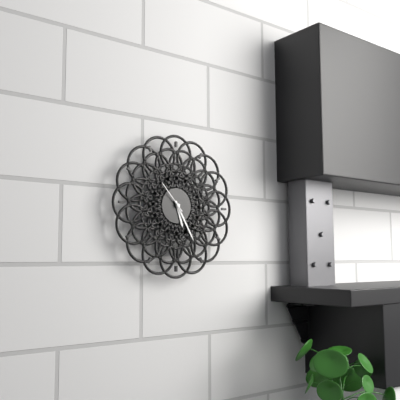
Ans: 5:25
